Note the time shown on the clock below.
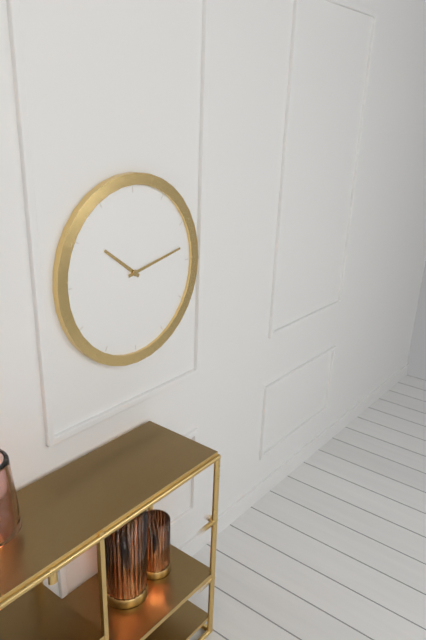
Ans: 10:13
